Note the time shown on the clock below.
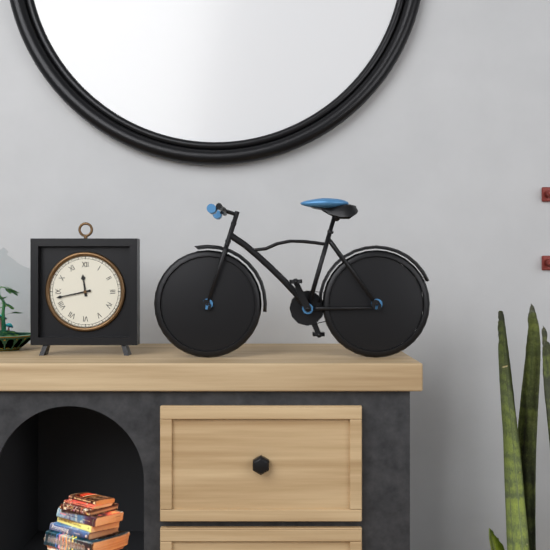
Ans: 11:43
